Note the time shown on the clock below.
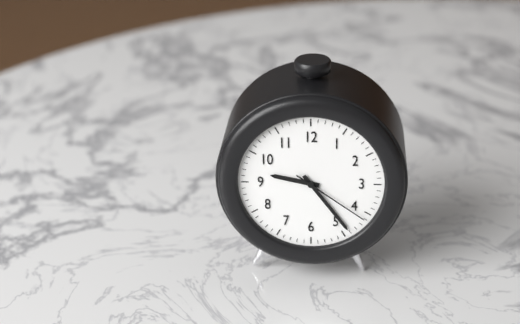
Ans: 9:24:21
